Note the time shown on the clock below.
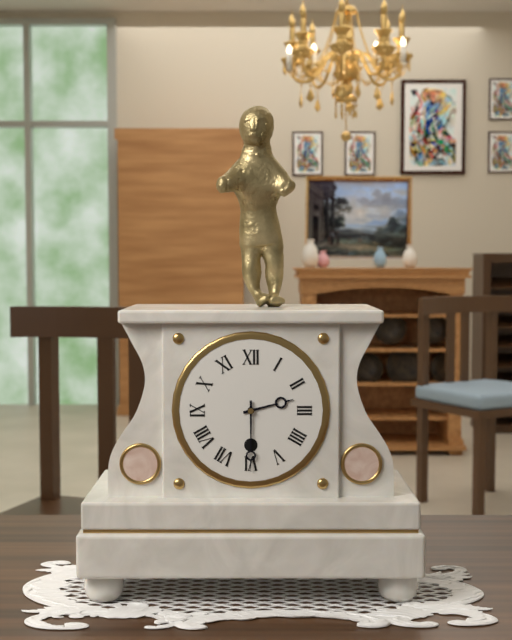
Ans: 2:30
